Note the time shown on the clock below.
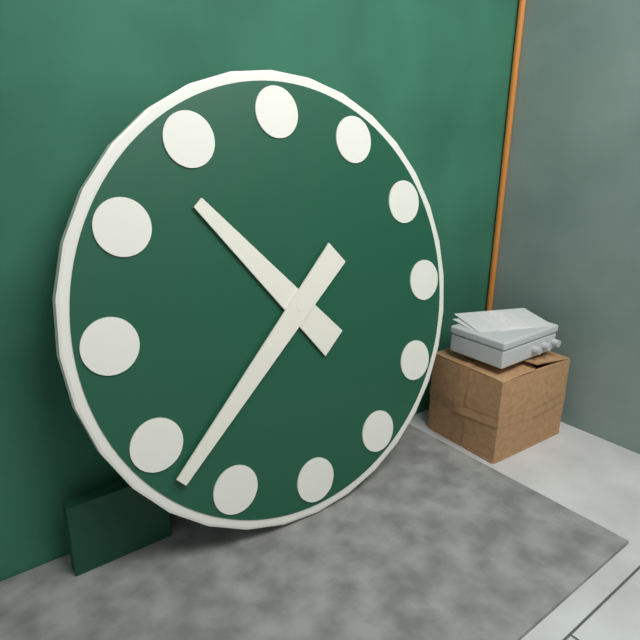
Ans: 10:38
